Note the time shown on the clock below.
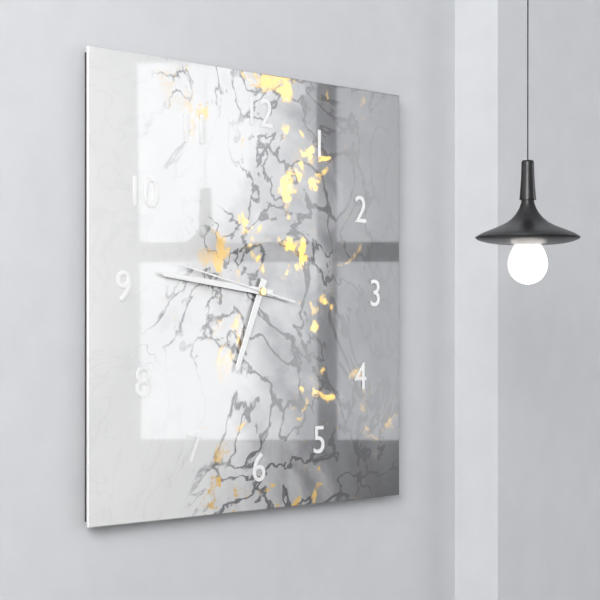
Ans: 6:46:47
